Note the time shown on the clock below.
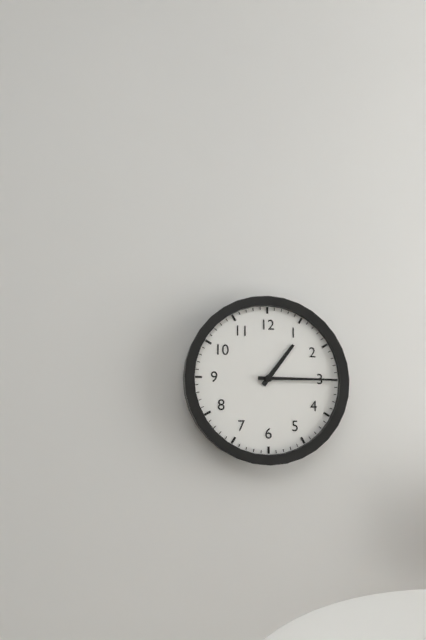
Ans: 1:15
